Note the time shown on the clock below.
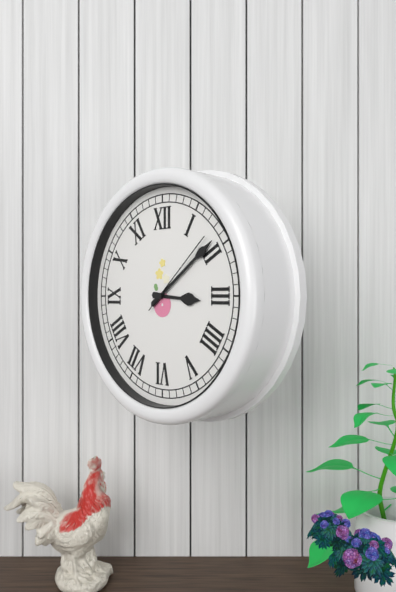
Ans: 3:09:08
